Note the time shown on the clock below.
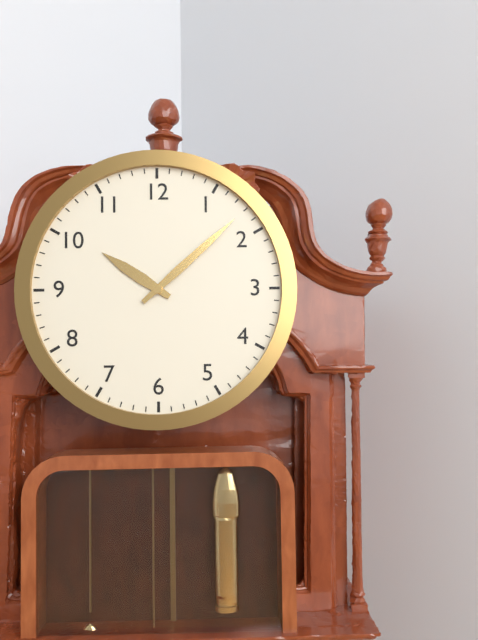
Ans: 10:08
